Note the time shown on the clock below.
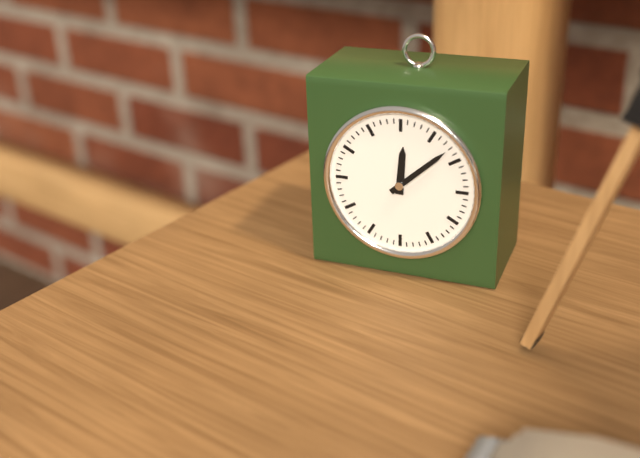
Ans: 12:08
